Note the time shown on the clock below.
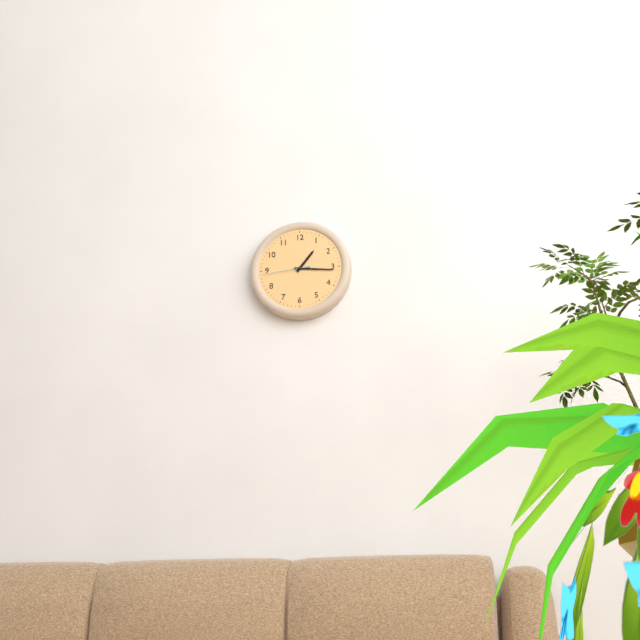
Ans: 1:16
